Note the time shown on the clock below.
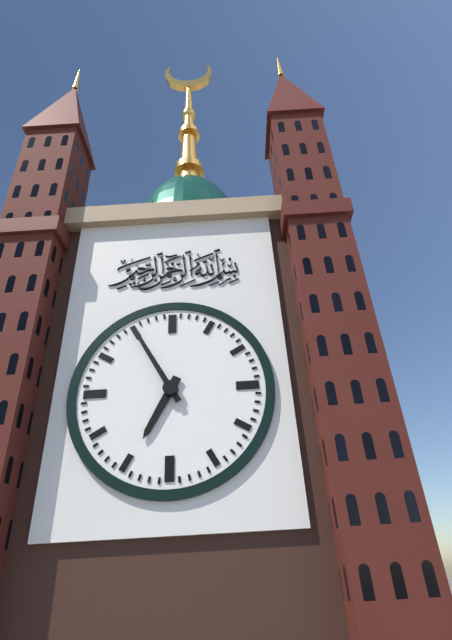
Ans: 6:55
